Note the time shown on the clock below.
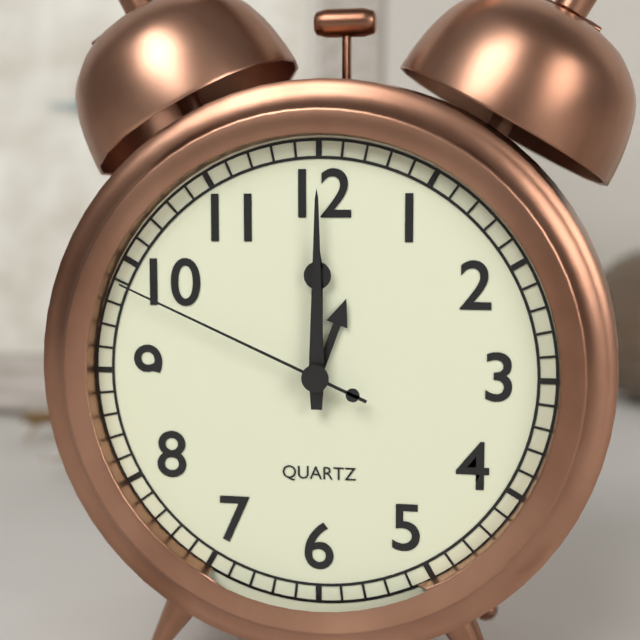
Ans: 12:00:49
